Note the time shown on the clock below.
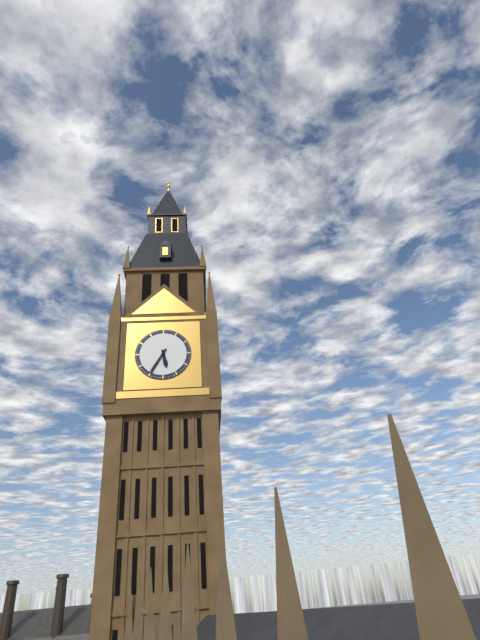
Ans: 5:35
